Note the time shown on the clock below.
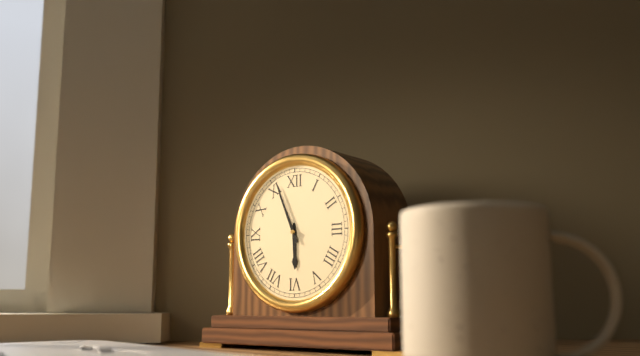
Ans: 5:56
